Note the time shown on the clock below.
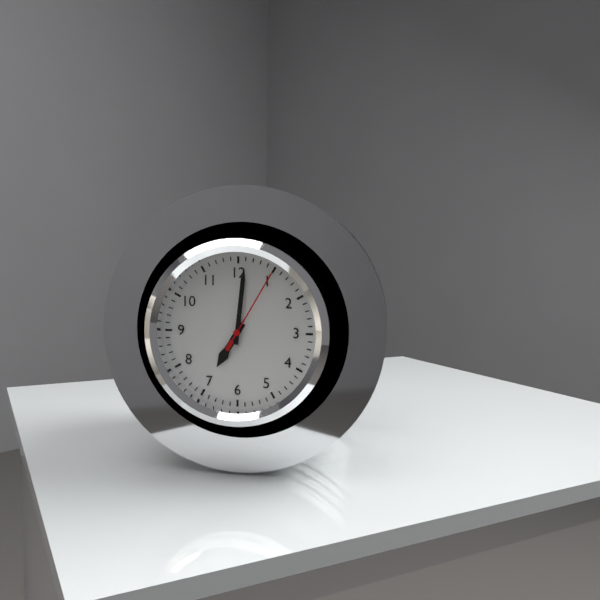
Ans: 7:01:05
